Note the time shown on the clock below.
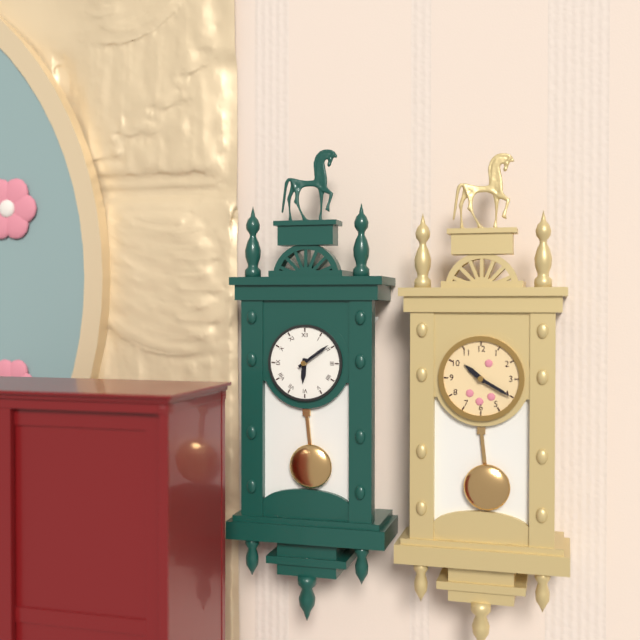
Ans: 6:09
